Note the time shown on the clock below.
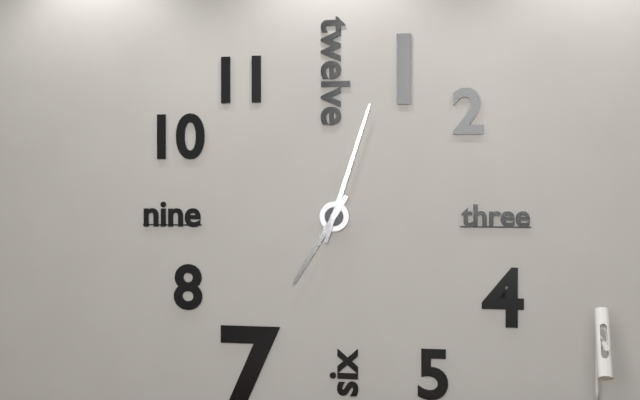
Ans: 7:03
